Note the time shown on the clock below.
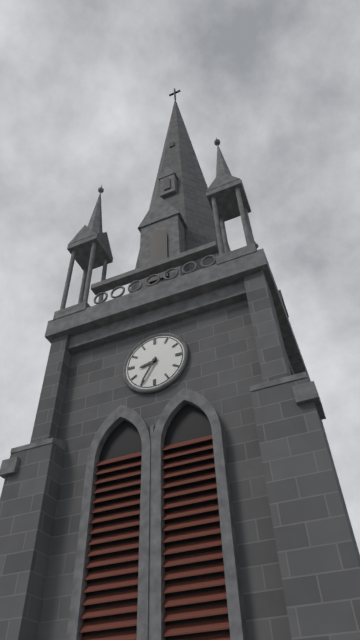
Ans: 8:35
